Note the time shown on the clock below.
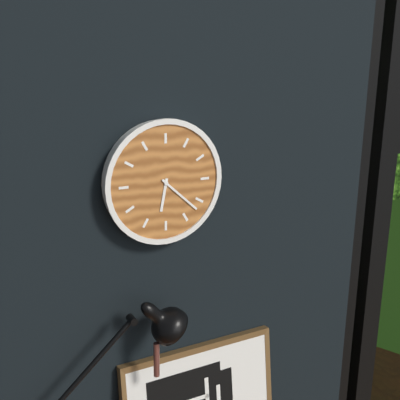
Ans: 6:22
